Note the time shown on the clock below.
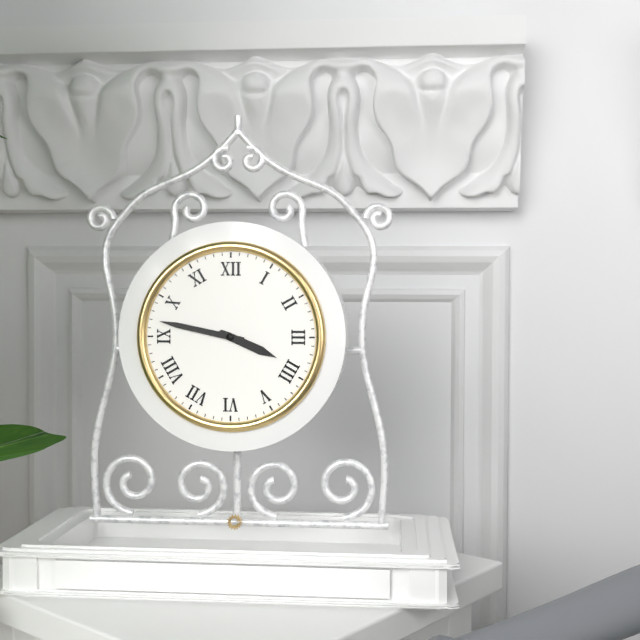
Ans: 3:47
